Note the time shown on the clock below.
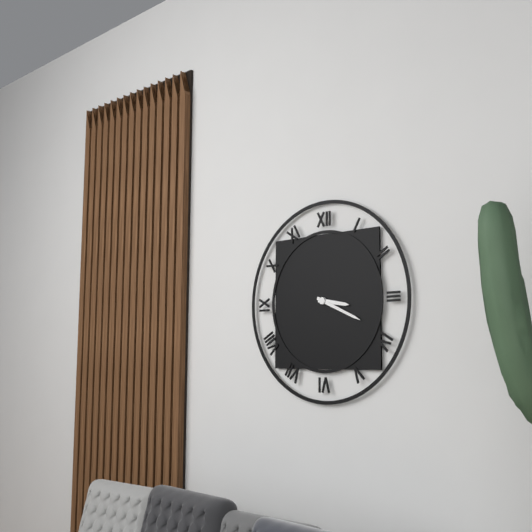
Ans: 3:19
